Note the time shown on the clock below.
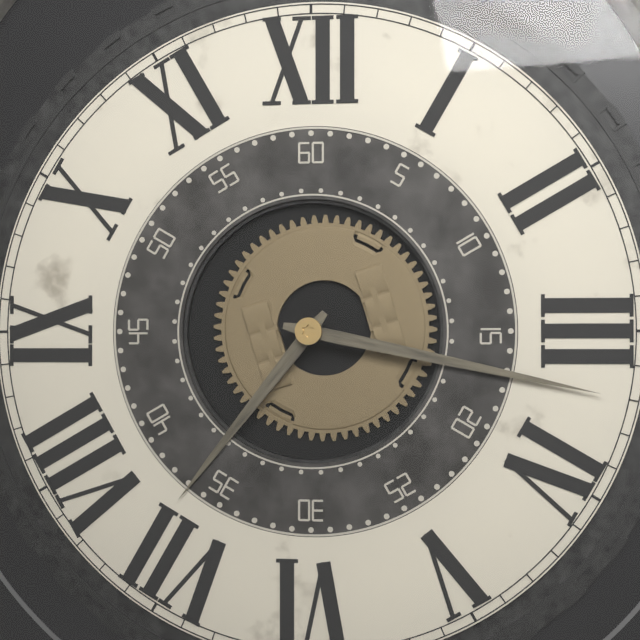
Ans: 7:17
